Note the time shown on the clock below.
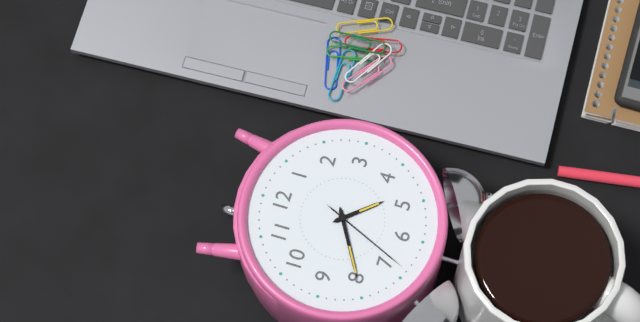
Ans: 4:40:34
